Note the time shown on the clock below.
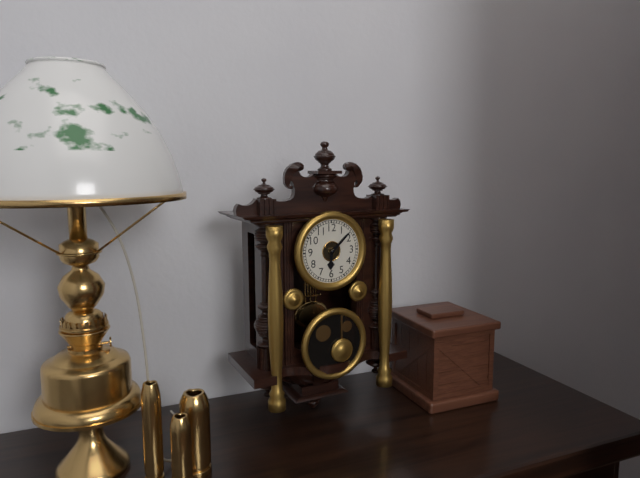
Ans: 6:08
